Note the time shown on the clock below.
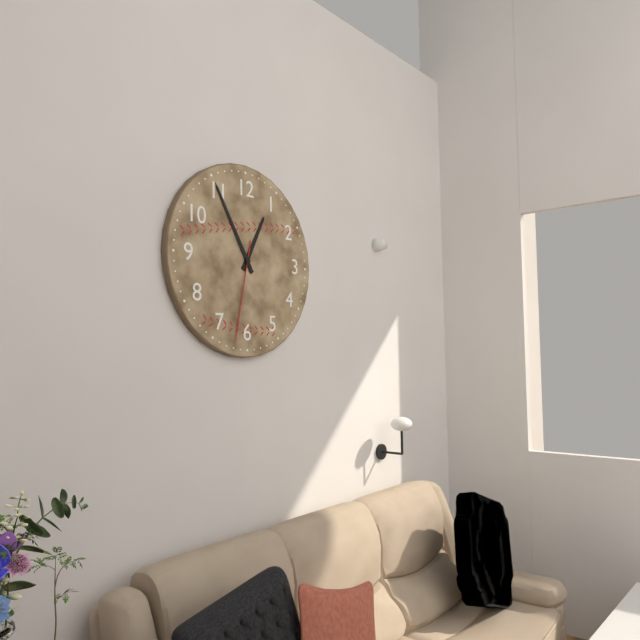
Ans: 12:55:32
